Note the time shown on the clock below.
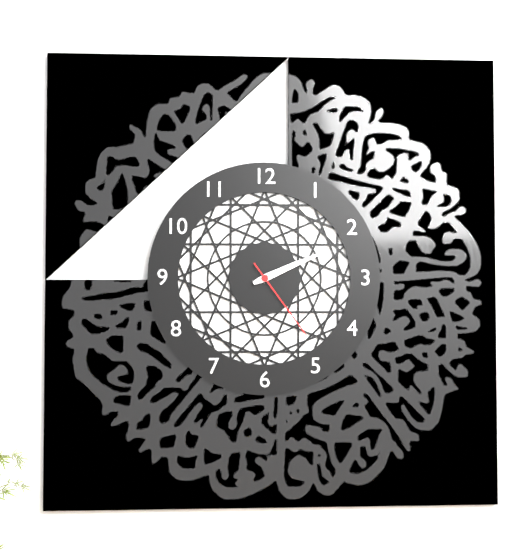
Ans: 2:11:24
